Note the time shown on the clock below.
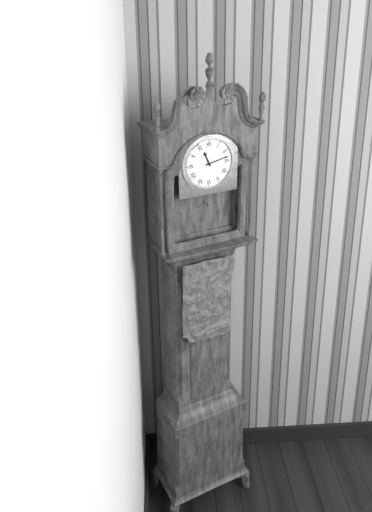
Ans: 11:13
